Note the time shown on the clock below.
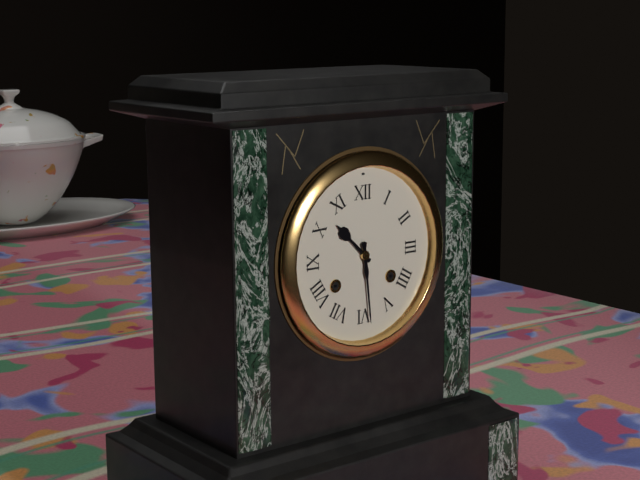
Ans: 10:29
